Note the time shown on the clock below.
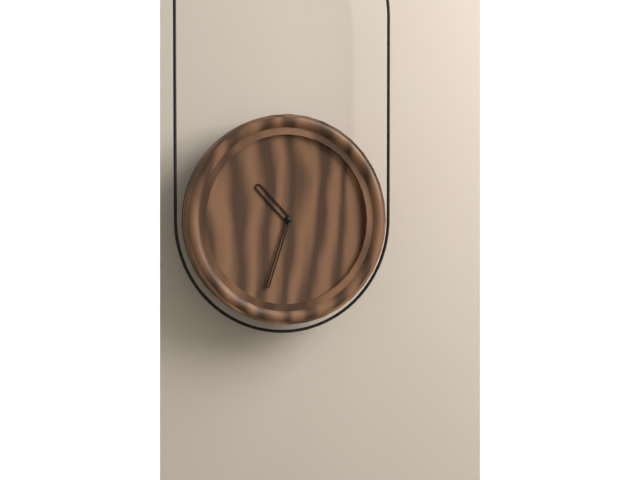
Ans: 10:33
